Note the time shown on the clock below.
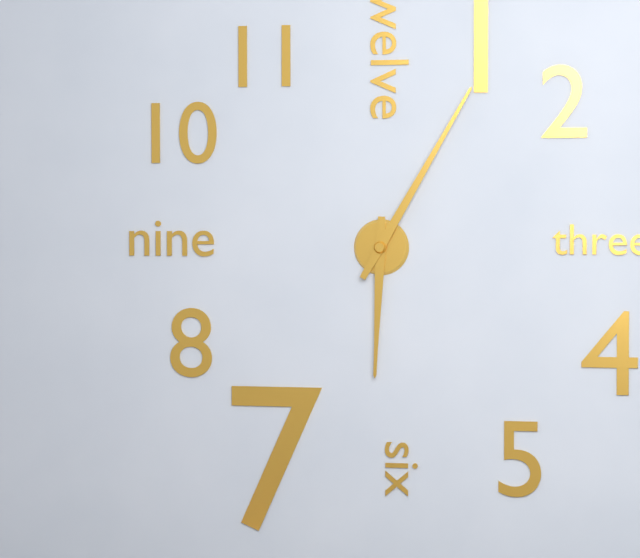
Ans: 6:05
